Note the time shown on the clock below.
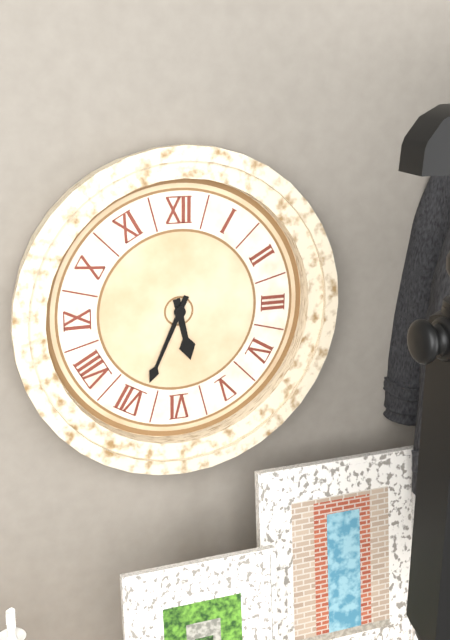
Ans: 5:34
